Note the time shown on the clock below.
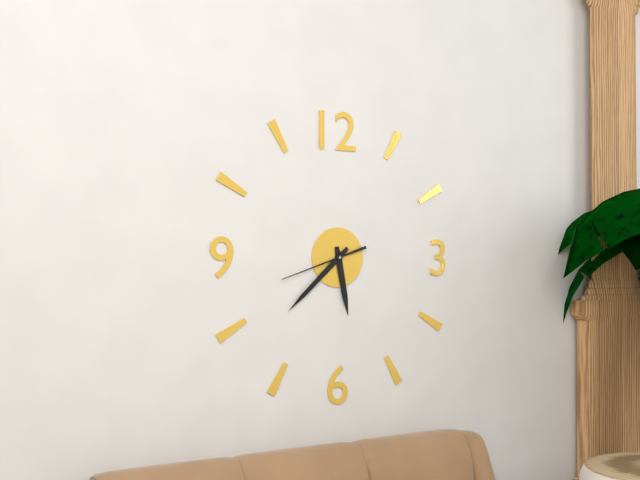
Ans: 5:38:42
